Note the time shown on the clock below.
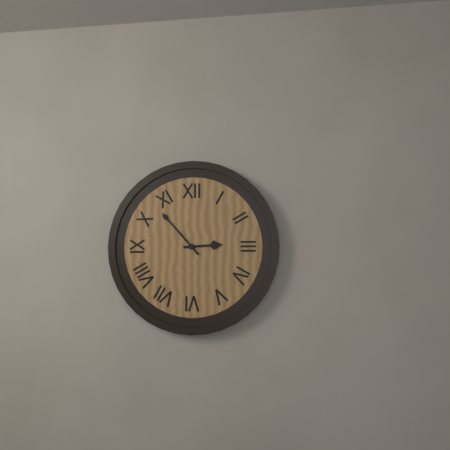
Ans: 2:53
